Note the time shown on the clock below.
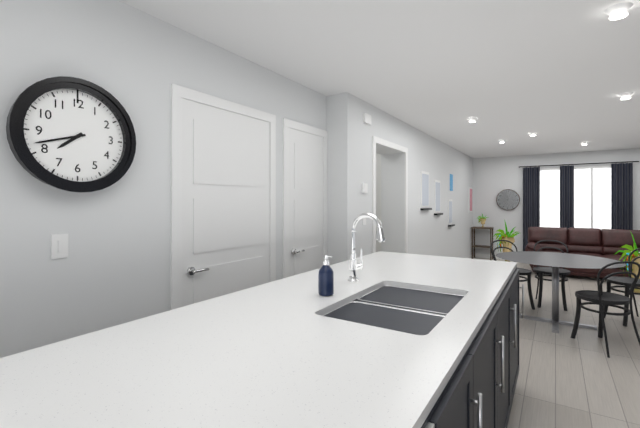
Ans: 7:42
